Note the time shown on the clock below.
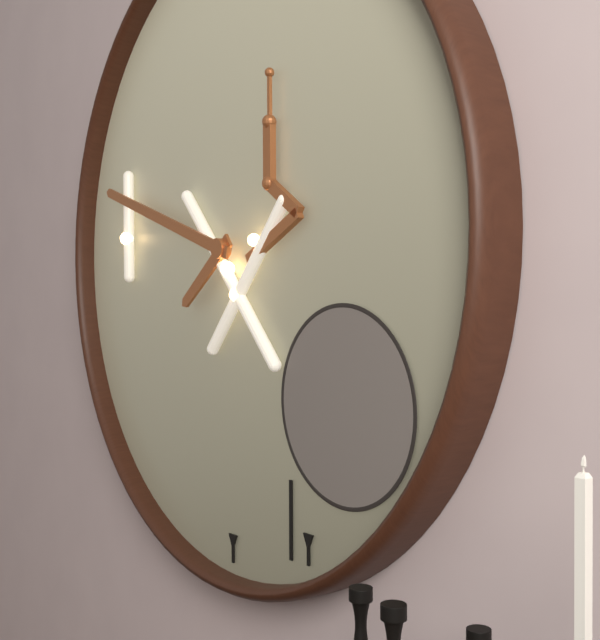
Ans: 7:48
